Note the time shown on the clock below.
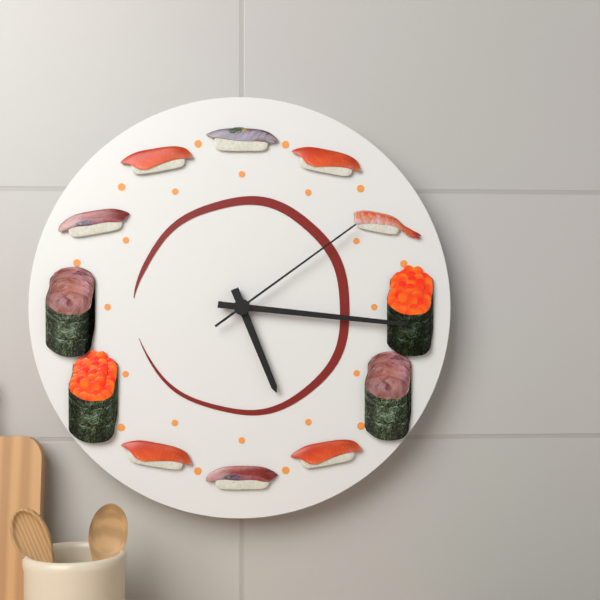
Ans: 5:16:09
